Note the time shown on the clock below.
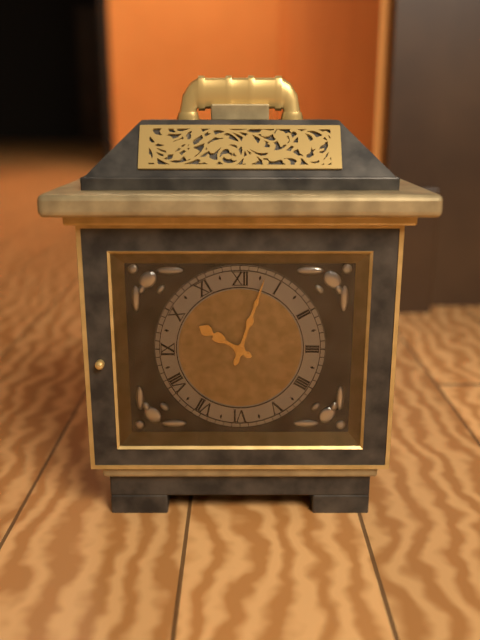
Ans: 10:03
